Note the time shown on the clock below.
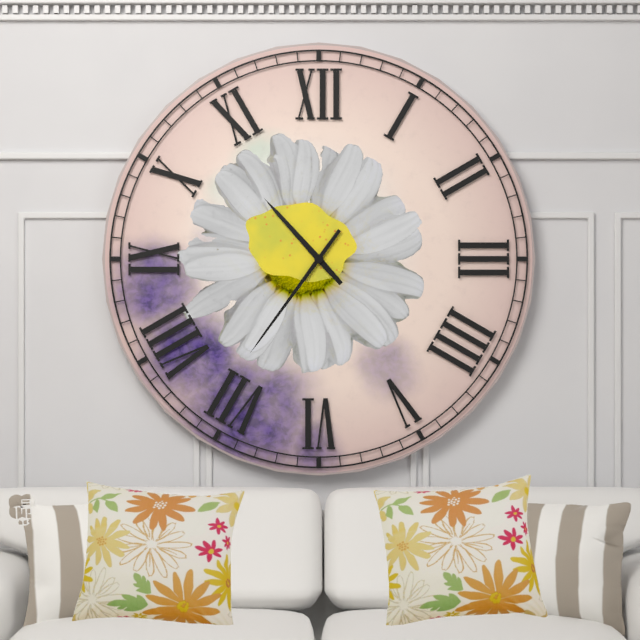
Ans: 10:36
